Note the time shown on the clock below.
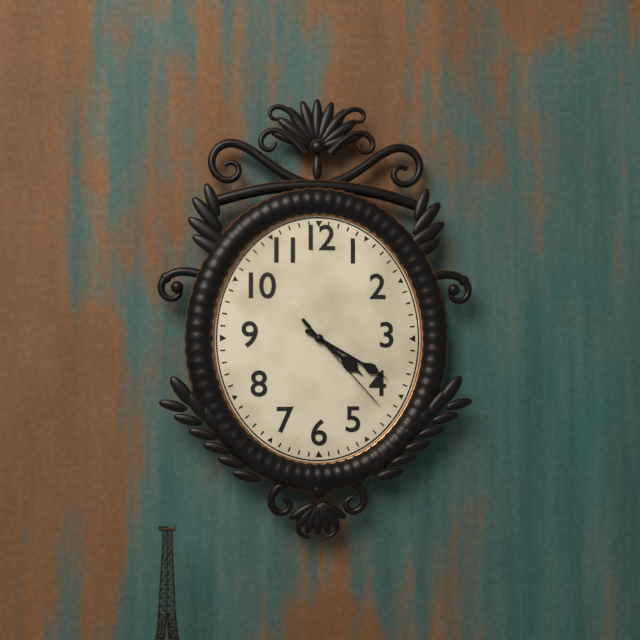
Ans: 4:20:23
